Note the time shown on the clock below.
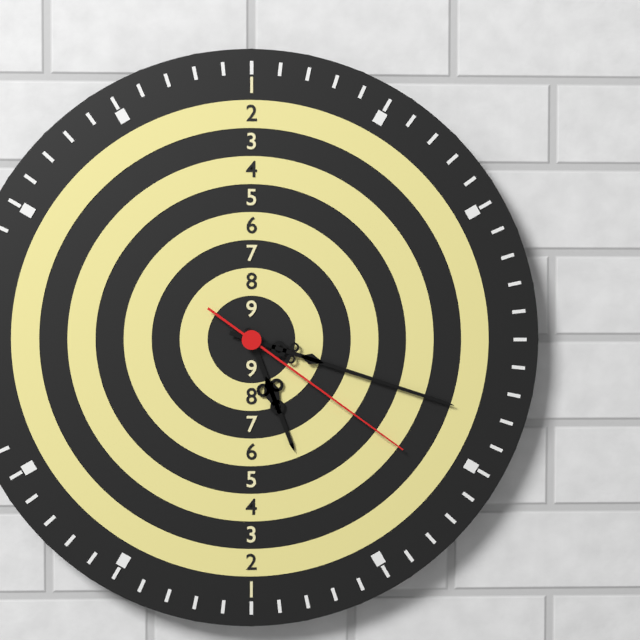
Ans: 5:18:21
